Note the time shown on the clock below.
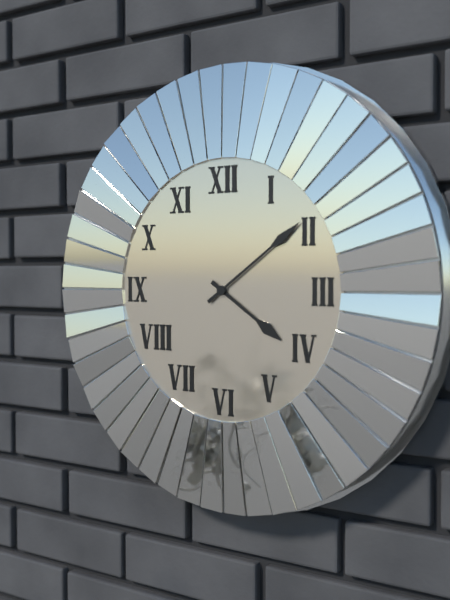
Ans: 4:09
